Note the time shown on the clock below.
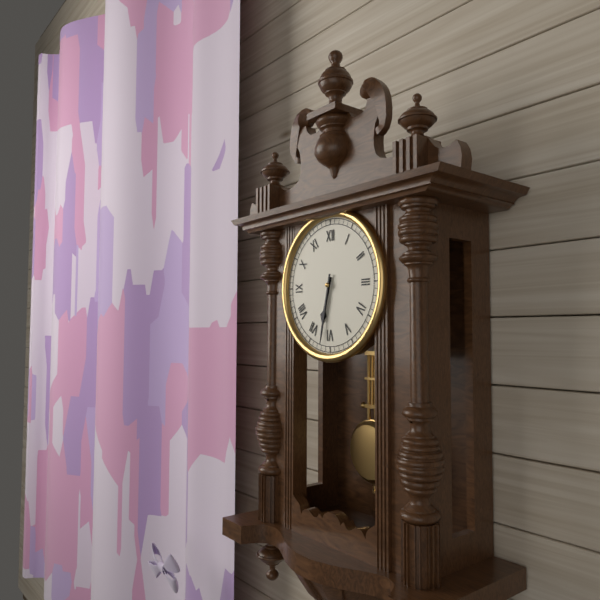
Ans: 6:32
